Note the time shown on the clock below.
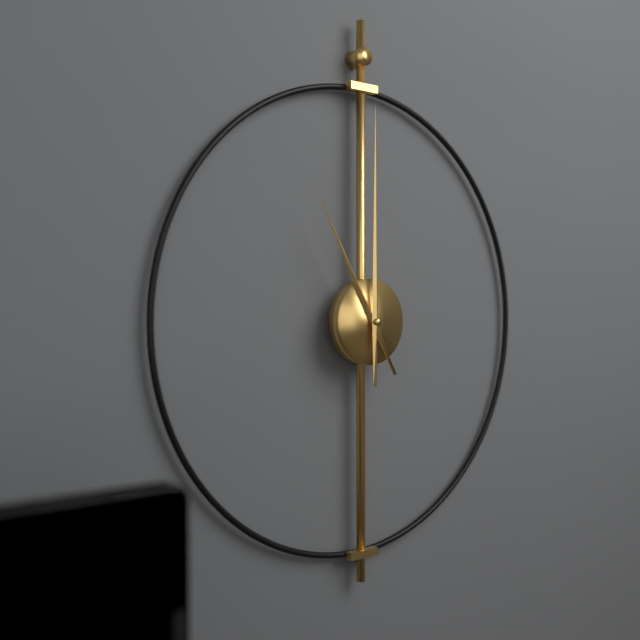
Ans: 11:00
